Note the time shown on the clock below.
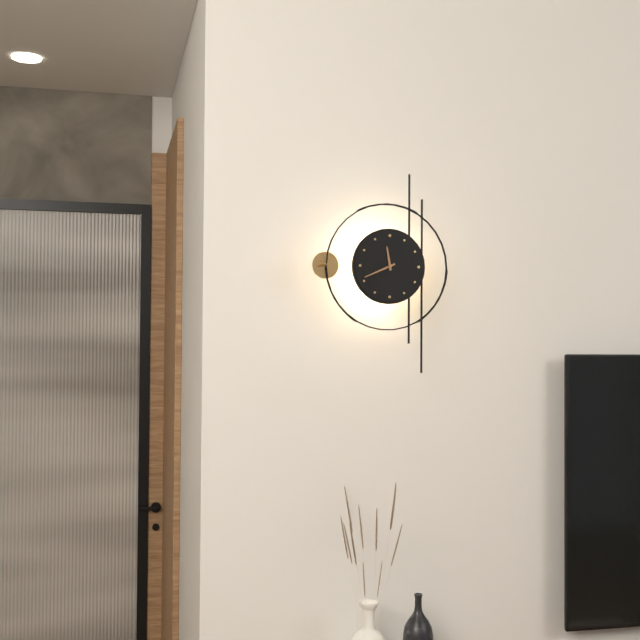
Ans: 11:41
